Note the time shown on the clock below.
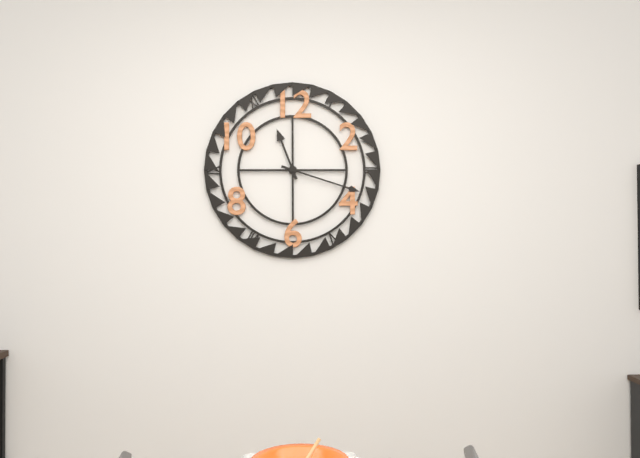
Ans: 11:18
